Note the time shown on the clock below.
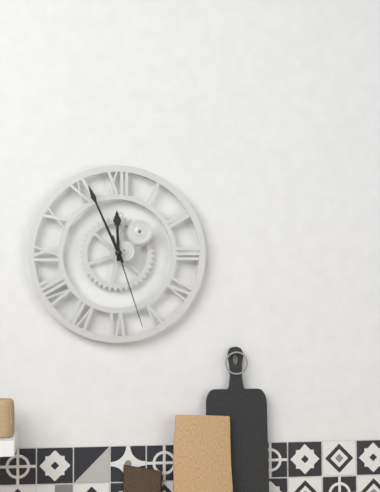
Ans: 11:56:27
